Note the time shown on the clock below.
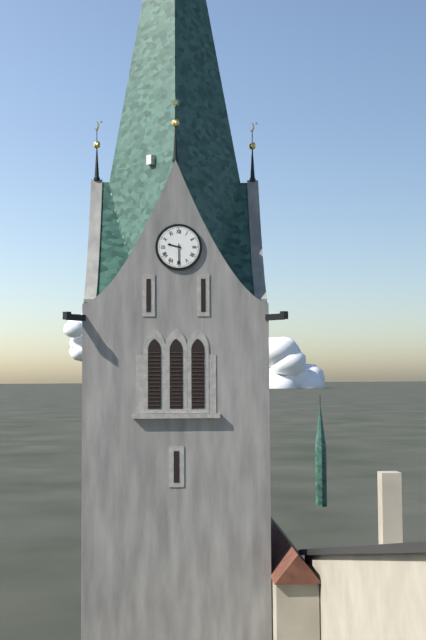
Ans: 9:30
